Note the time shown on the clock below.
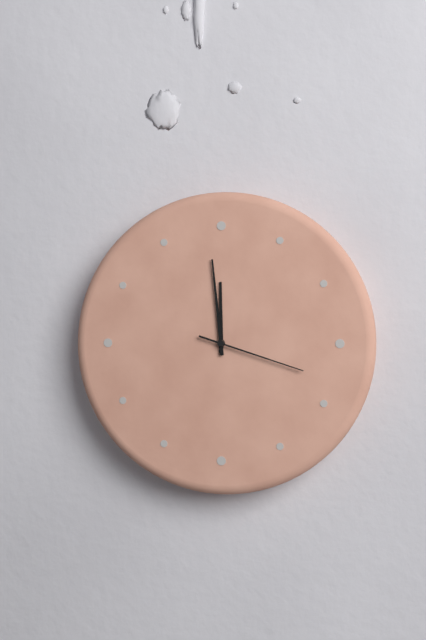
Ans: 11:59:18
